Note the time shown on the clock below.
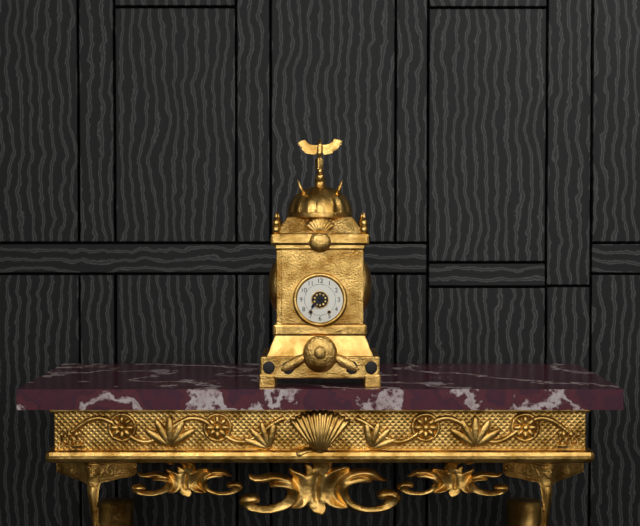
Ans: 7:37
